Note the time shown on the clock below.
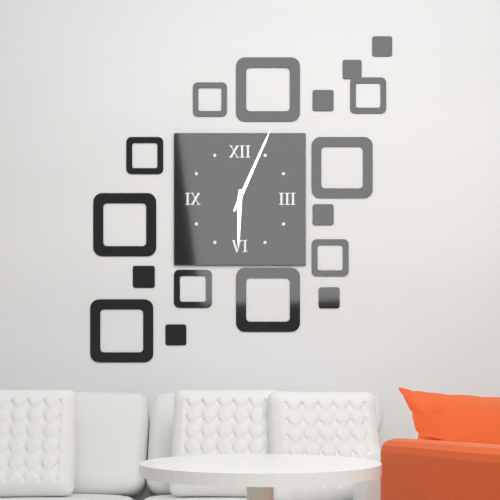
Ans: 6:04
